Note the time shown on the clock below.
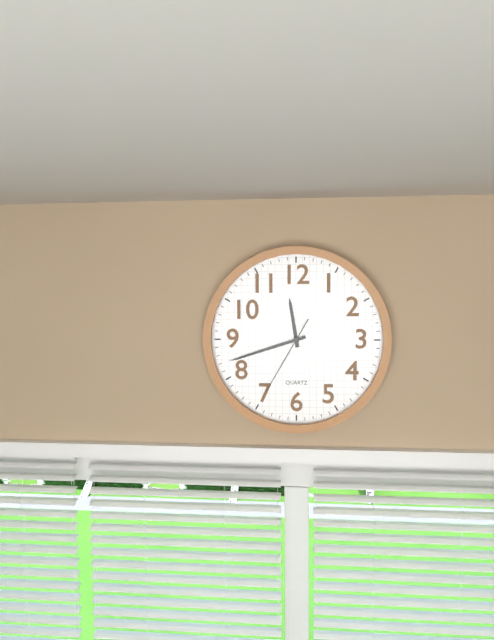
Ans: 11:42:35
